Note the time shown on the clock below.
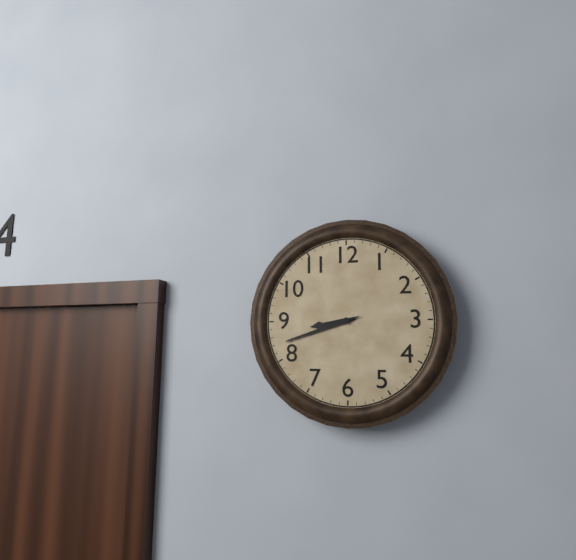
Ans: 8:42
